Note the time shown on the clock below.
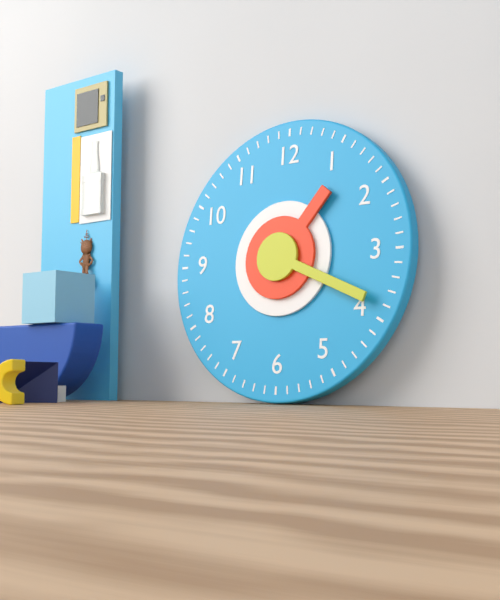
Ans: 1:19
